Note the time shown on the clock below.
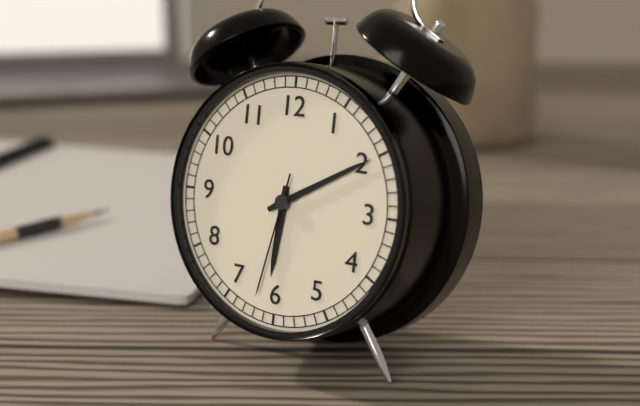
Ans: 6:10:32
